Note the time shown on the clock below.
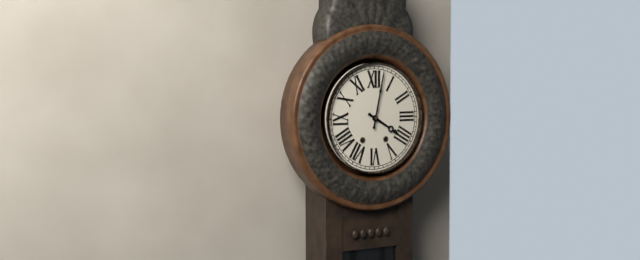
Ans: 4:02
